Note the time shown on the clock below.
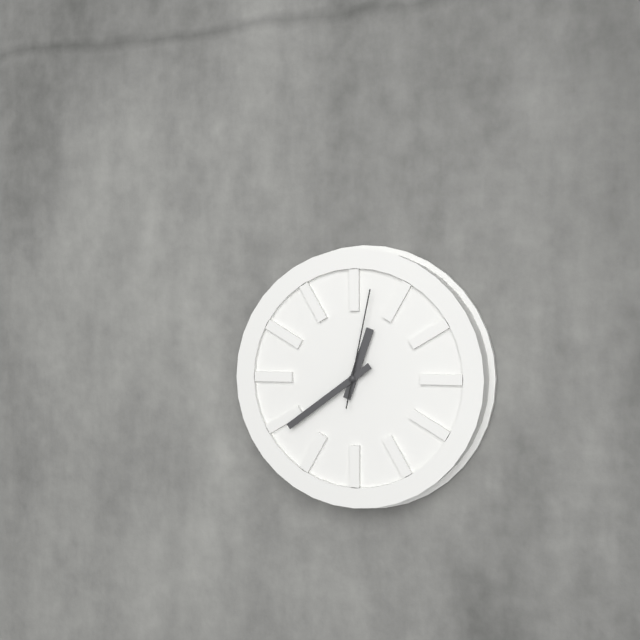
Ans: 12:39:02
